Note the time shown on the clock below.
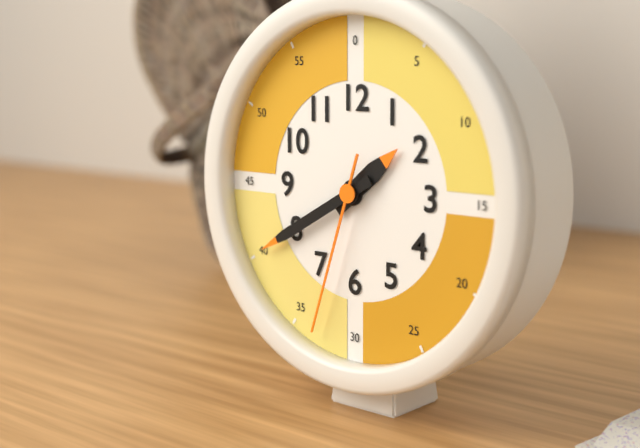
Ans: 1:40:33
